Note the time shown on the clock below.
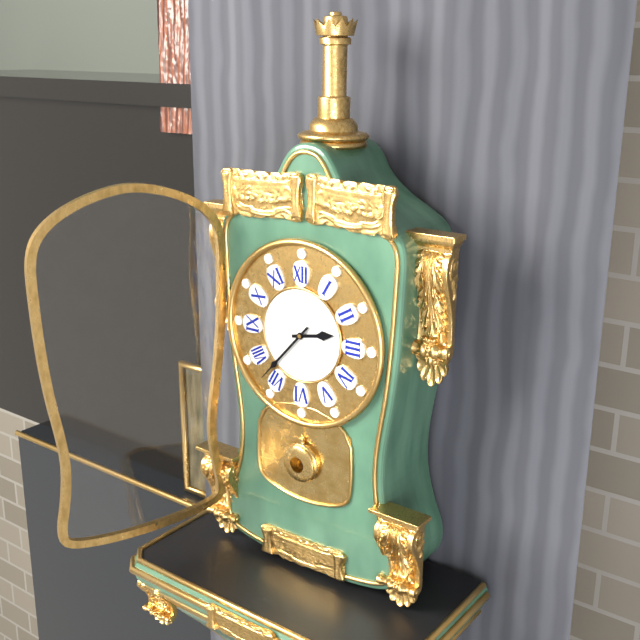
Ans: 2:37
